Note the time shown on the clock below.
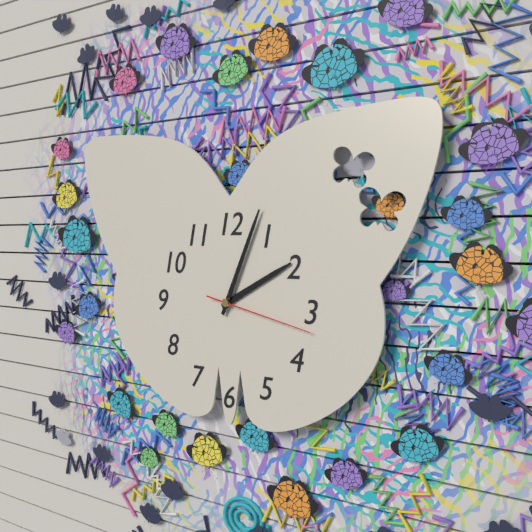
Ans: 2:04:17
